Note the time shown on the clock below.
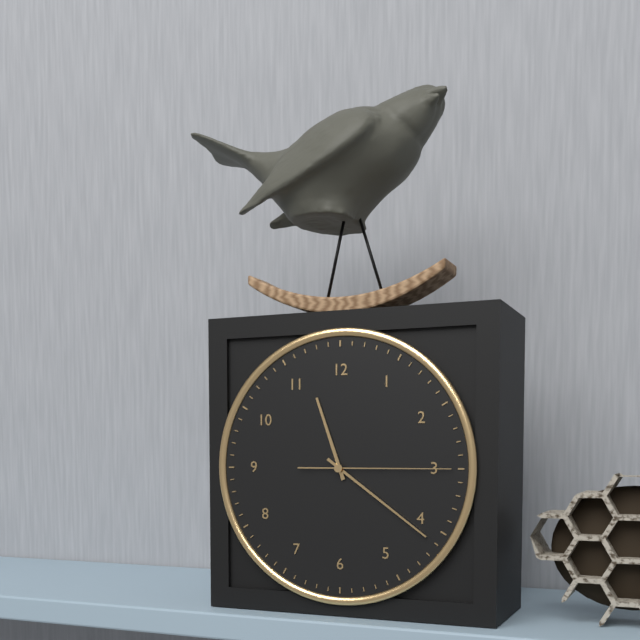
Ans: 11:21:15
